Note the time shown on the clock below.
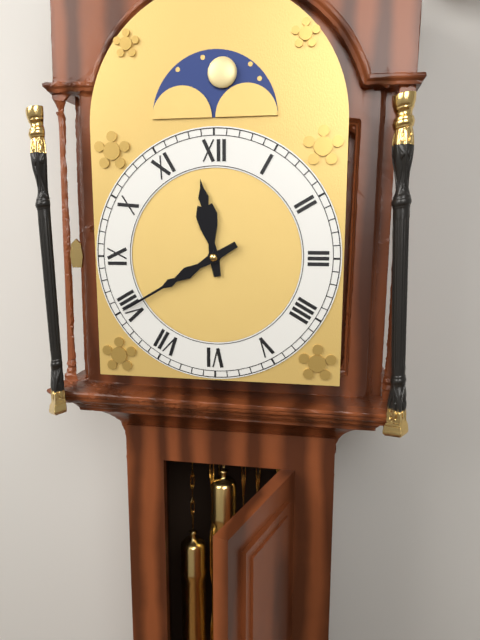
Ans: 11:40
